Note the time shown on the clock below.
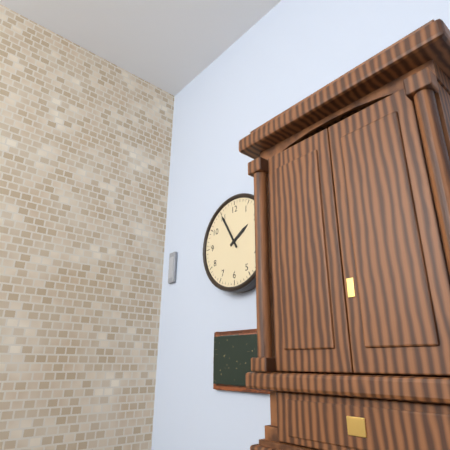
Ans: 1:55
